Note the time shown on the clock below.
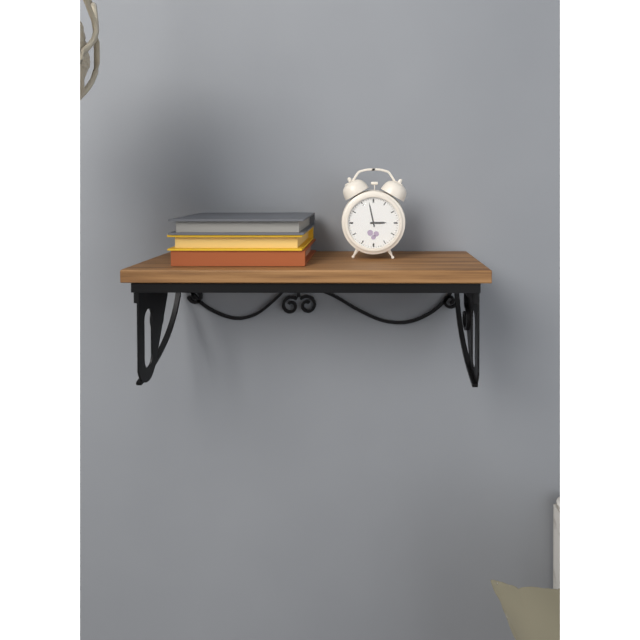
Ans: 2:58
